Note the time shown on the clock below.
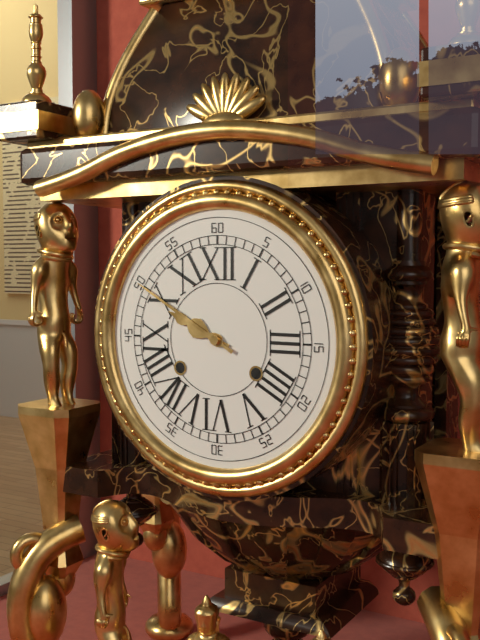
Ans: 9:50
